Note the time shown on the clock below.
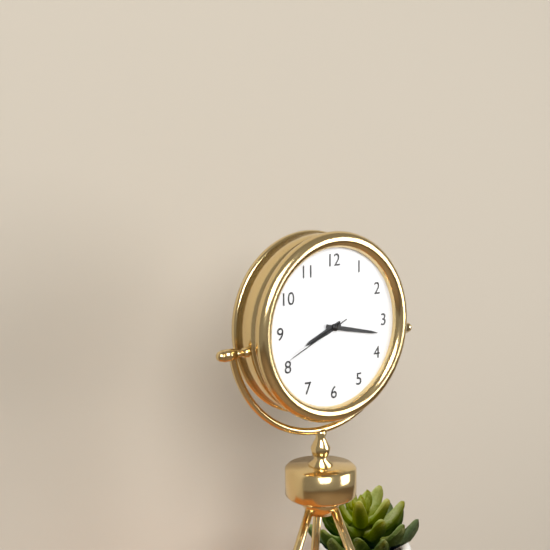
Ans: 8:17:41
